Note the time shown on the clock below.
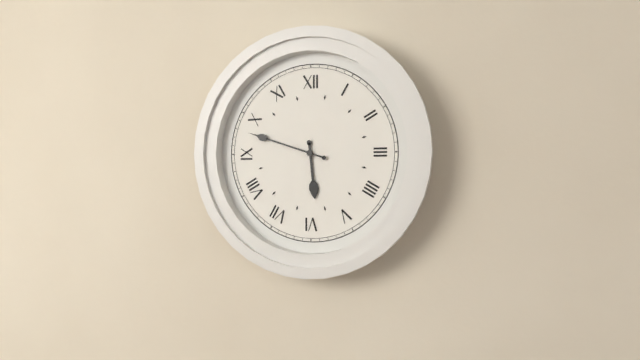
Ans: 5:48
